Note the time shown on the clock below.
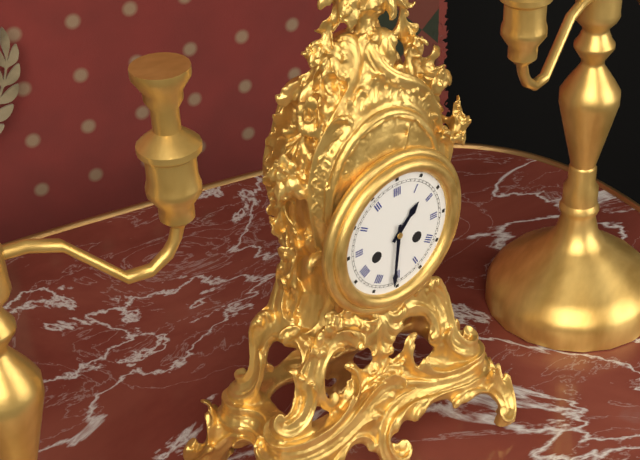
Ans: 1:31
